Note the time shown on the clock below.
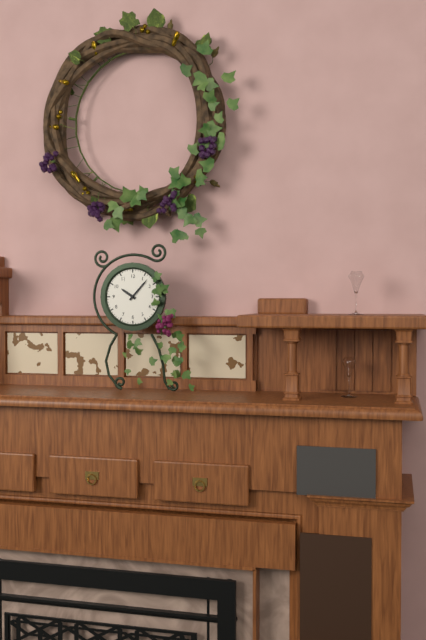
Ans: 10:07
